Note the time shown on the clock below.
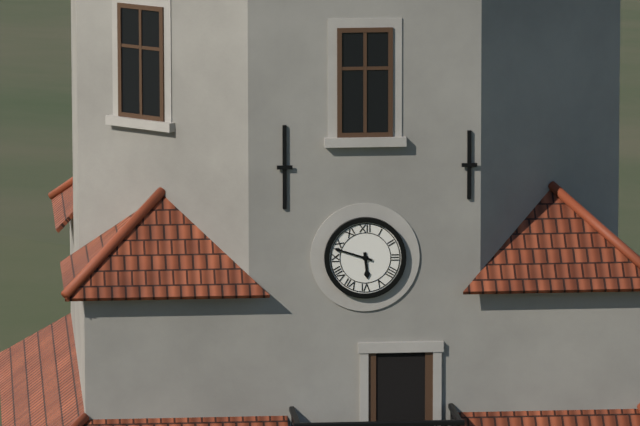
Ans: 5:48
